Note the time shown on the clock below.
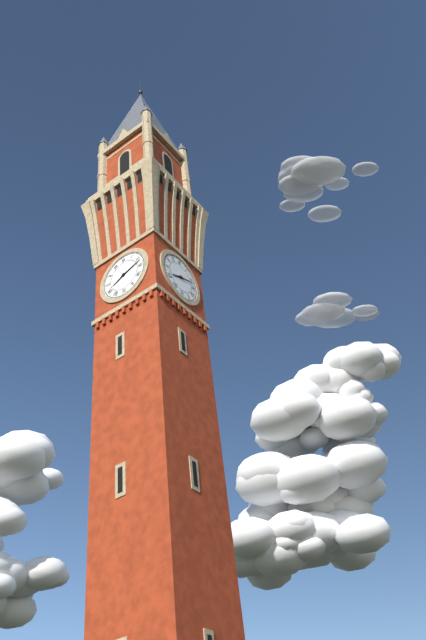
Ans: 8:12
